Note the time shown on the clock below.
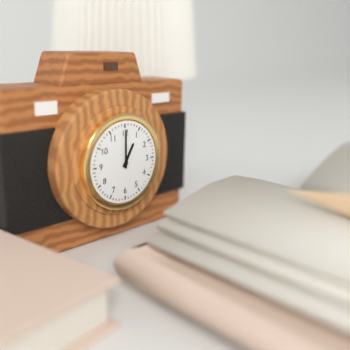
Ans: 1:00
